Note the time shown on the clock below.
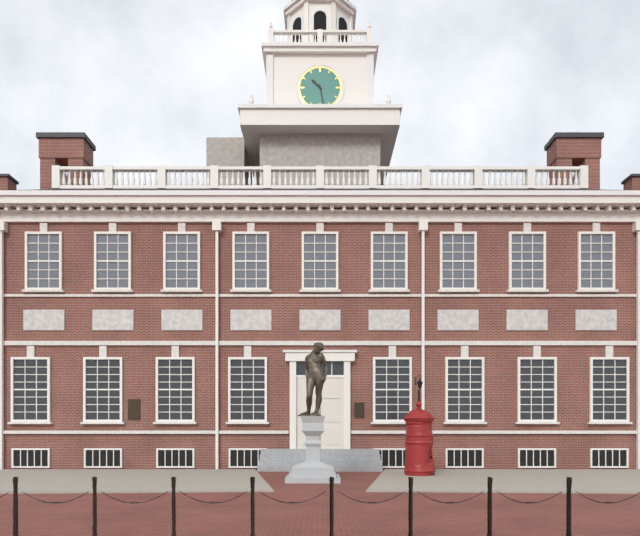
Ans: 10:28
